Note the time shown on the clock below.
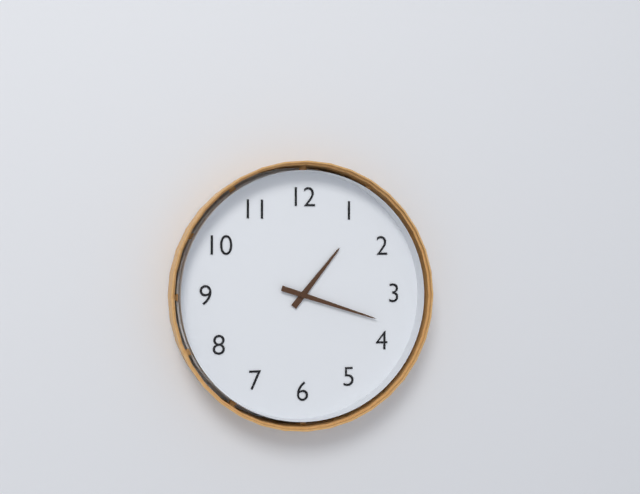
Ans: 1:18
